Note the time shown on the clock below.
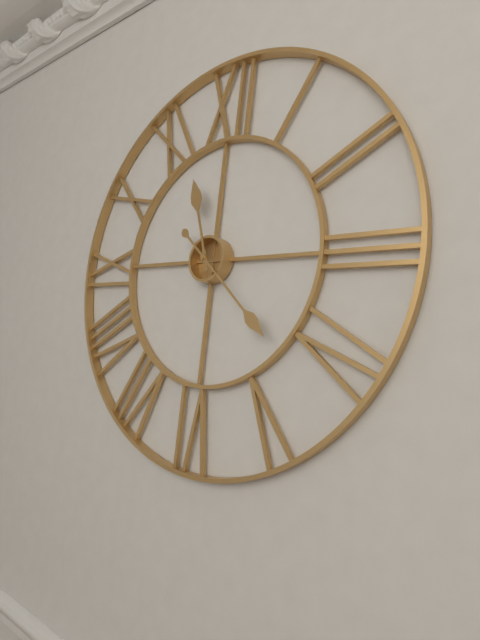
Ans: 11:22
